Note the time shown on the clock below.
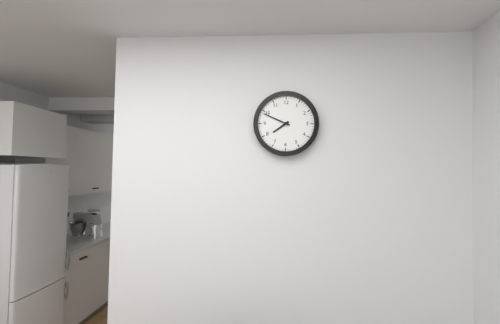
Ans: 7:49
